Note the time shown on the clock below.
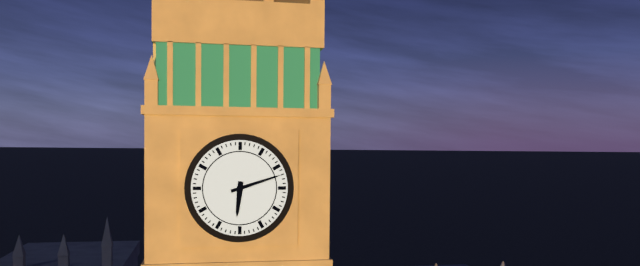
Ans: 6:12
